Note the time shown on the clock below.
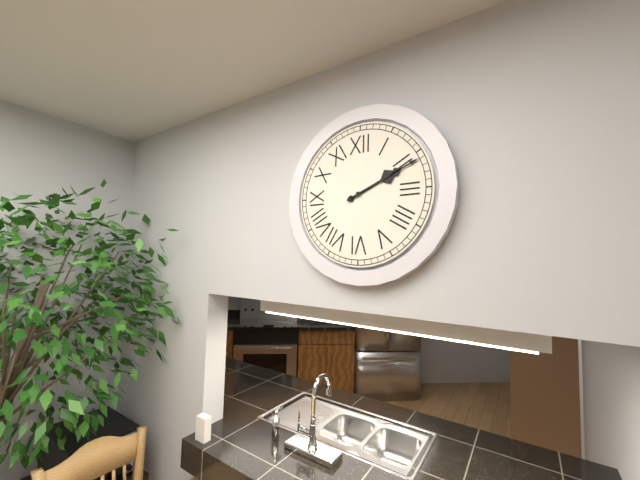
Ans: 2:11
